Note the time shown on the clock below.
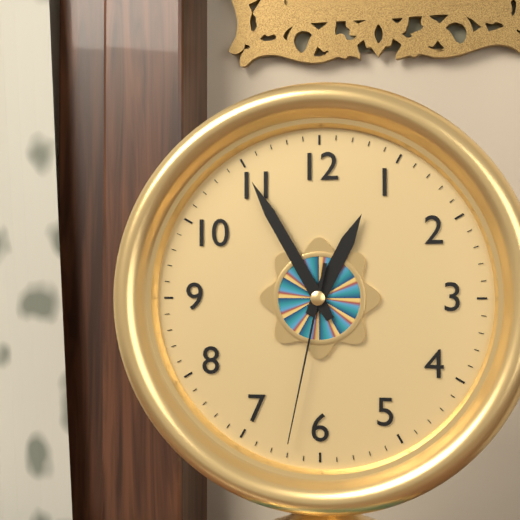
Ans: 12:55:32
